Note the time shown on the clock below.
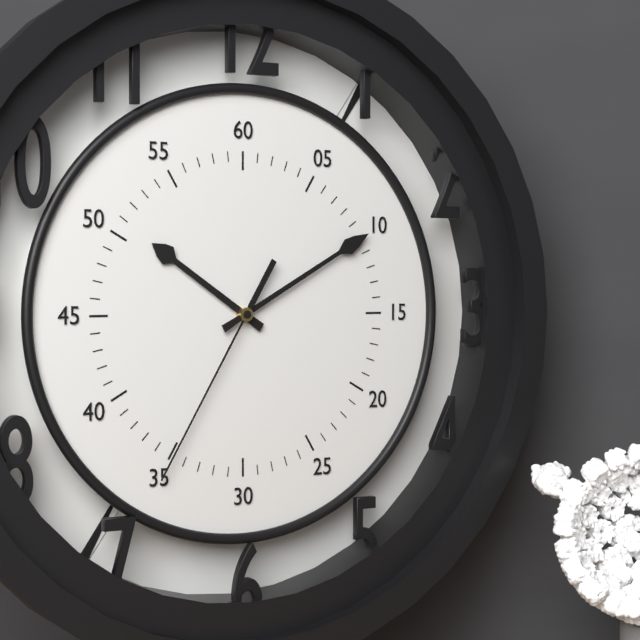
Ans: 10:10:35
